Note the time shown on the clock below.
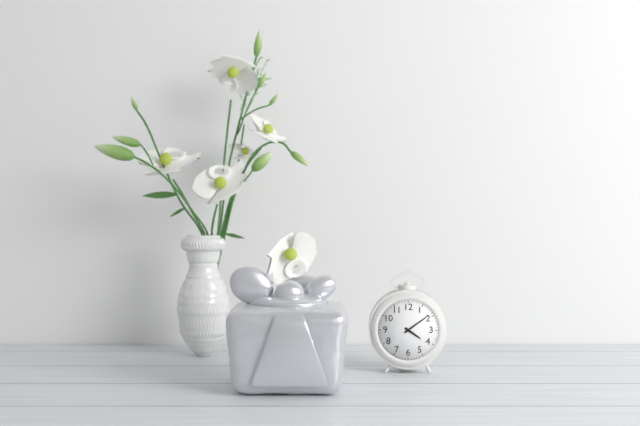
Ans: 4:09
